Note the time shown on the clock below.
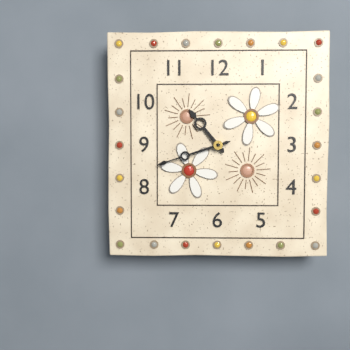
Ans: 10:42
